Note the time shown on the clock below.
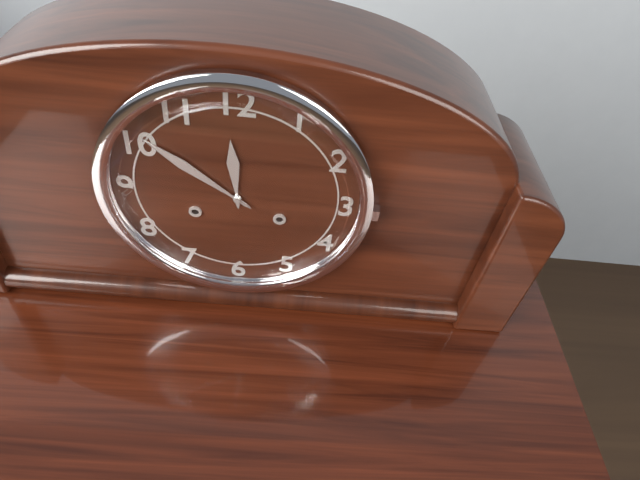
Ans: 11:51
